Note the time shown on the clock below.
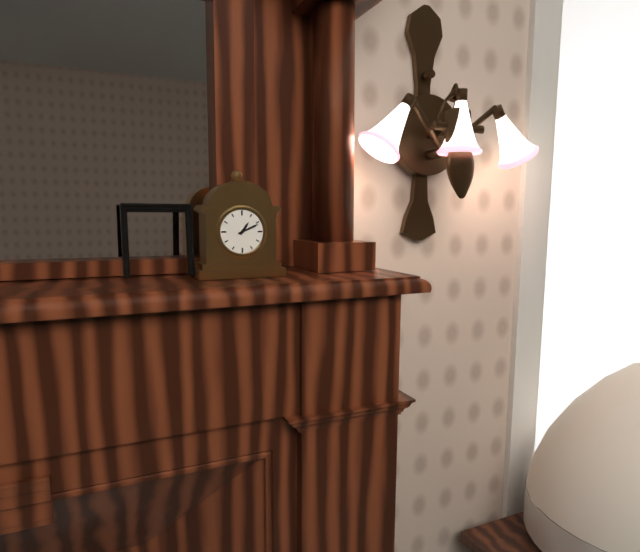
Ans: 1:11
